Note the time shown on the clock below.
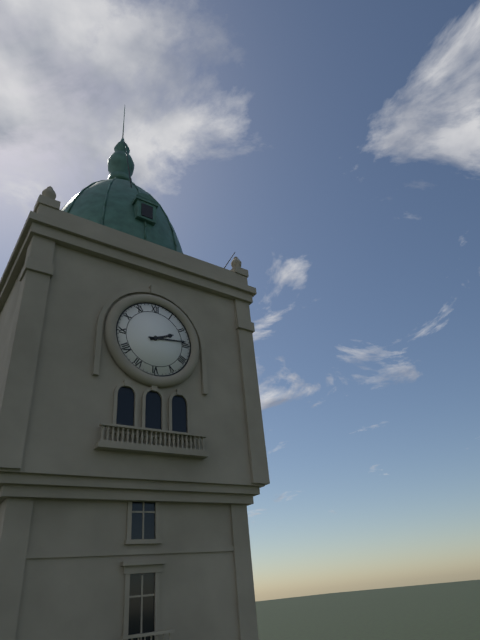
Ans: 2:14
